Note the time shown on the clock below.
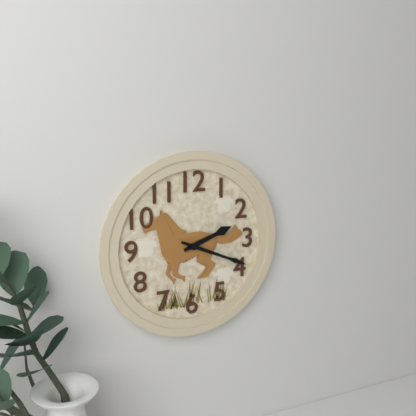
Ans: 2:19
